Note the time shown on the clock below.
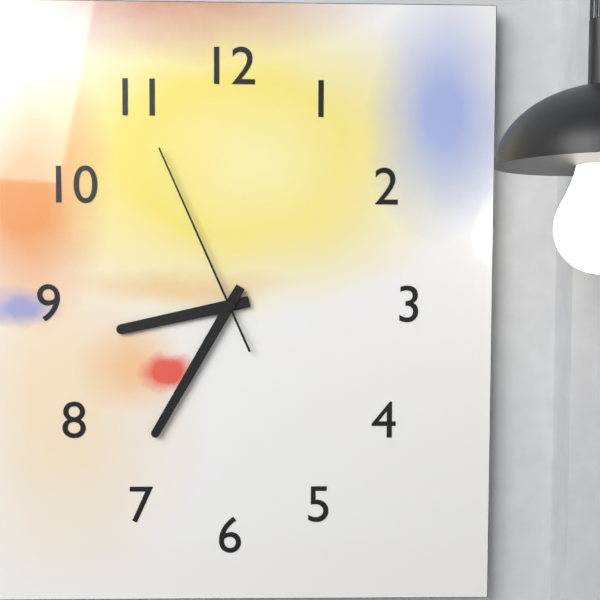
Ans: 8:35:56
